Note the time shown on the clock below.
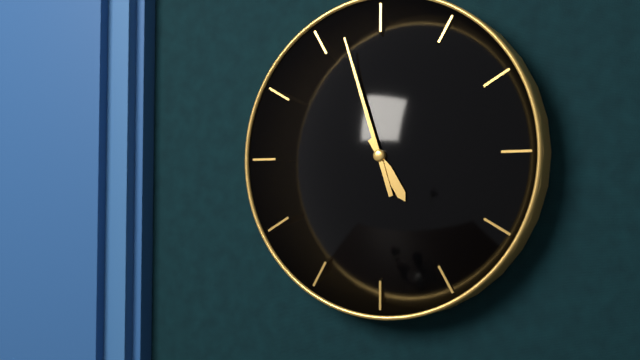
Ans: 4:57
